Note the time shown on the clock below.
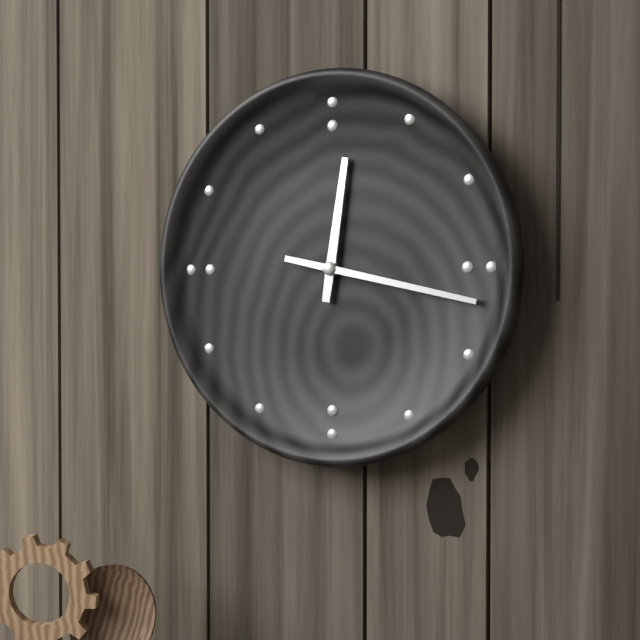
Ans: 12:17
